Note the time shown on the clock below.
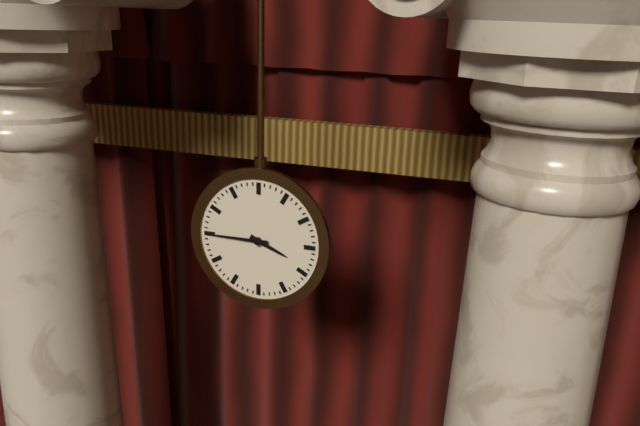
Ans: 3:45
